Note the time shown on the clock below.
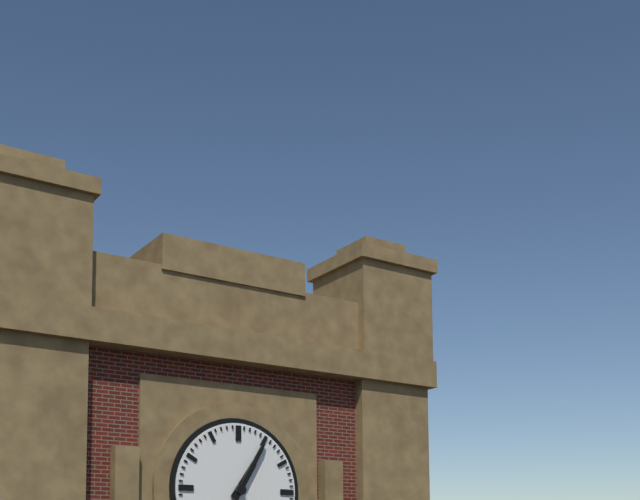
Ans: 1:05
